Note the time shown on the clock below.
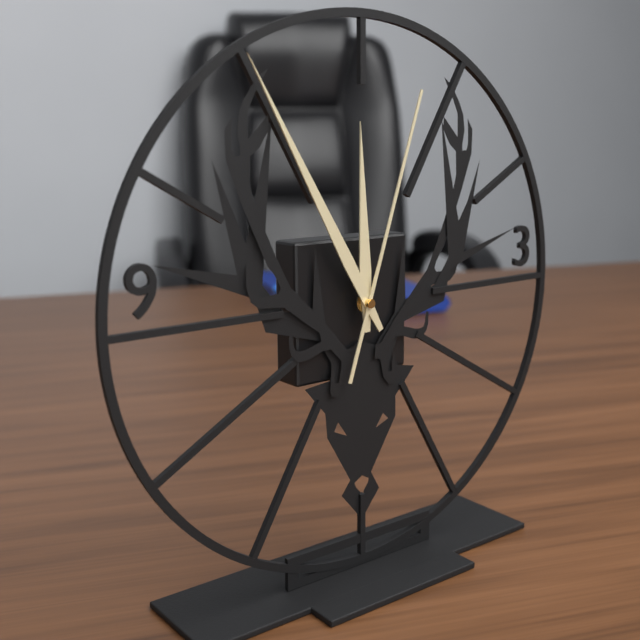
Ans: 11:55:03
